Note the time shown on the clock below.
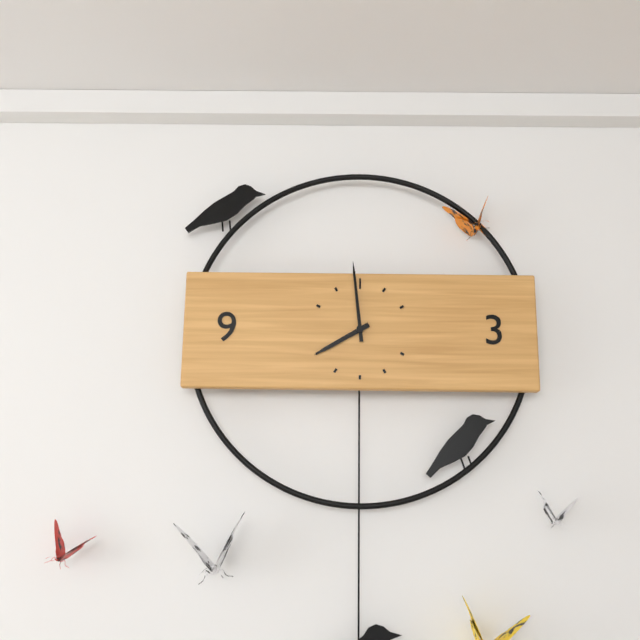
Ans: 7:59
